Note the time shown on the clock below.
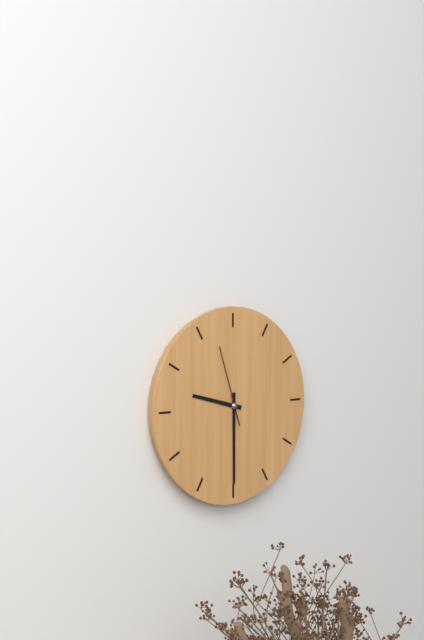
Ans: 9:30:57
